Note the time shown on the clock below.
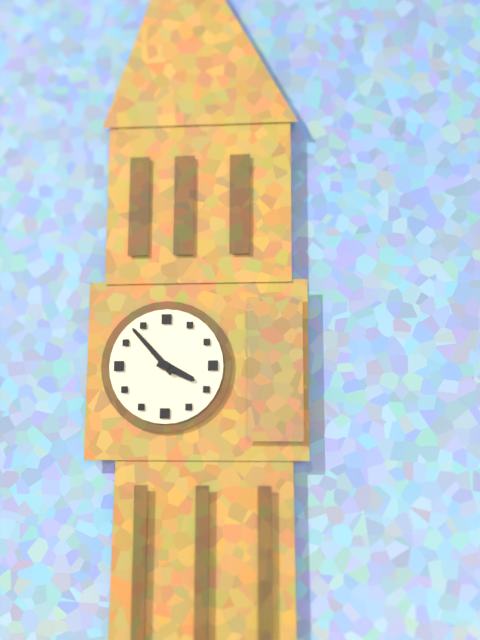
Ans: 3:53
